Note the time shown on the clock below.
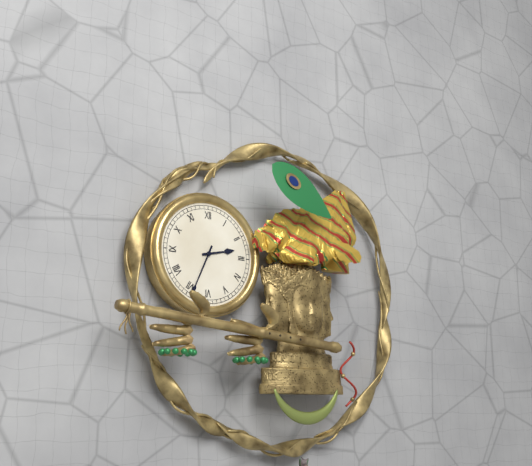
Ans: 2:34
